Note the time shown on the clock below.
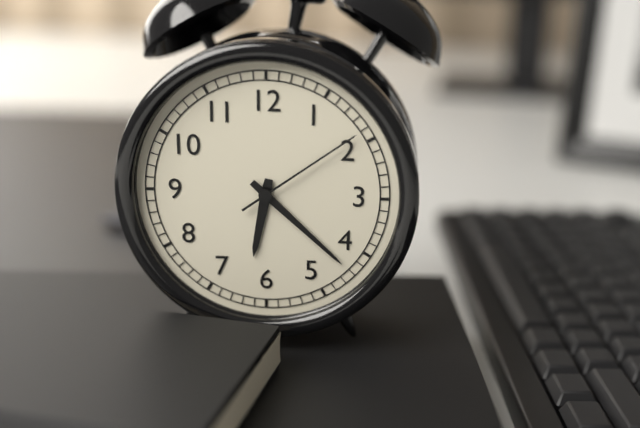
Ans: 6:22:09
